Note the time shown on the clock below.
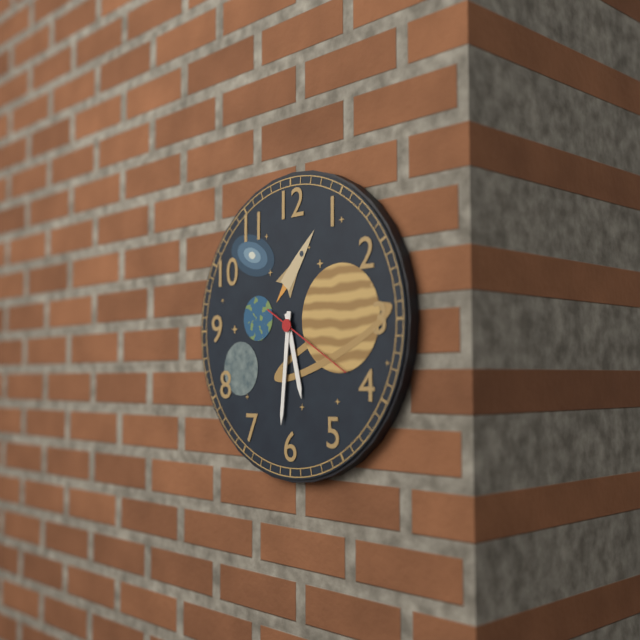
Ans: 5:31:20
